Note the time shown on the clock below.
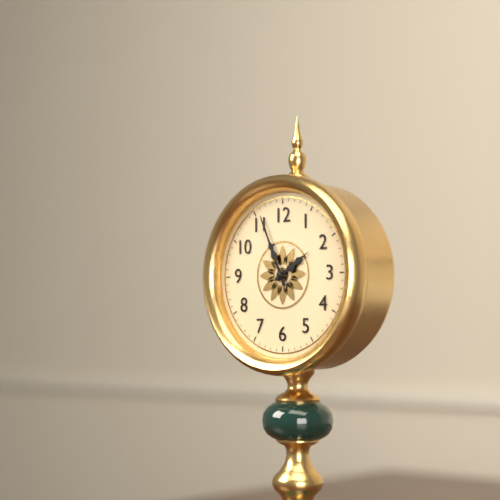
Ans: 1:56
